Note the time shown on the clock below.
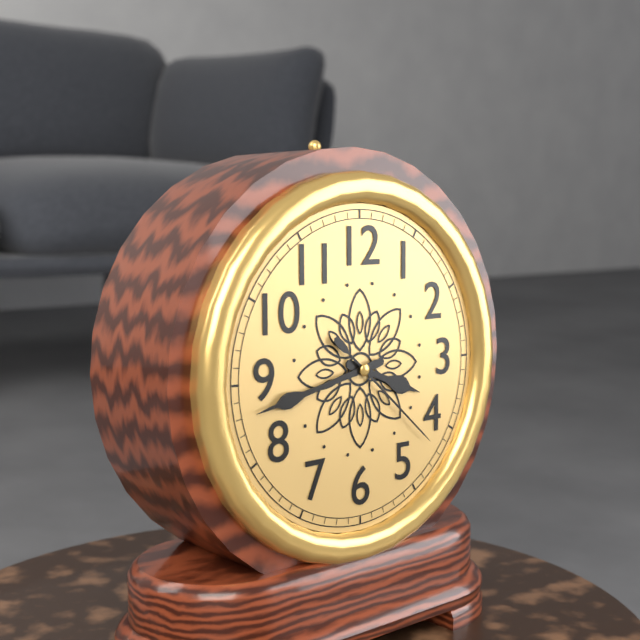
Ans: 3:43:22
